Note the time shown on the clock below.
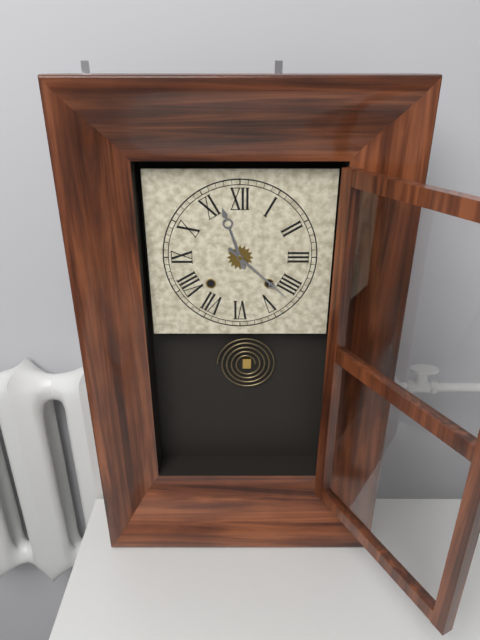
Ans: 11:22
